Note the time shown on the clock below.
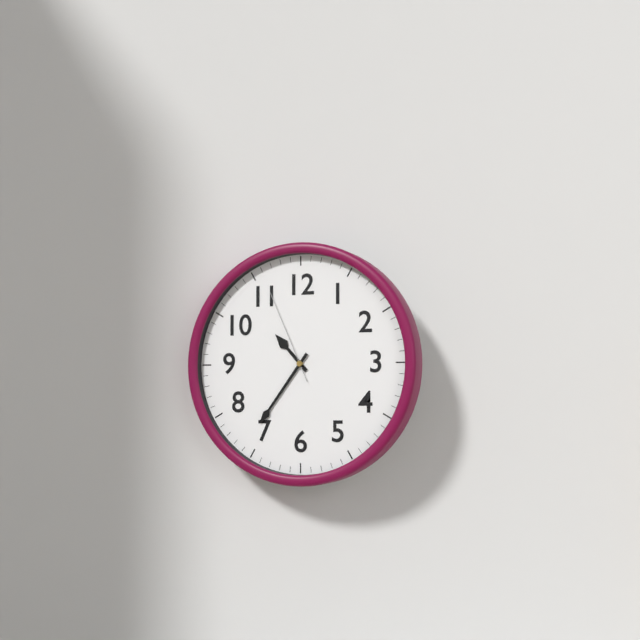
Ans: 10:36:56
